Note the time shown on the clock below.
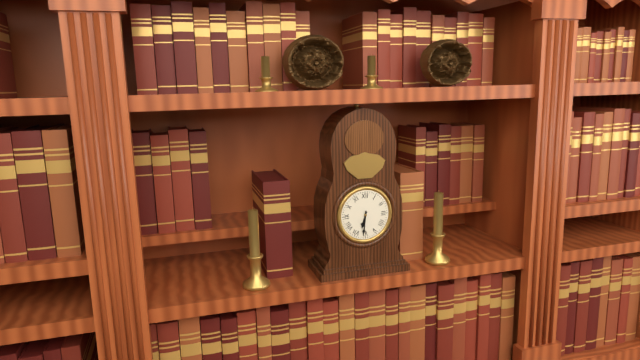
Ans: 6:31
